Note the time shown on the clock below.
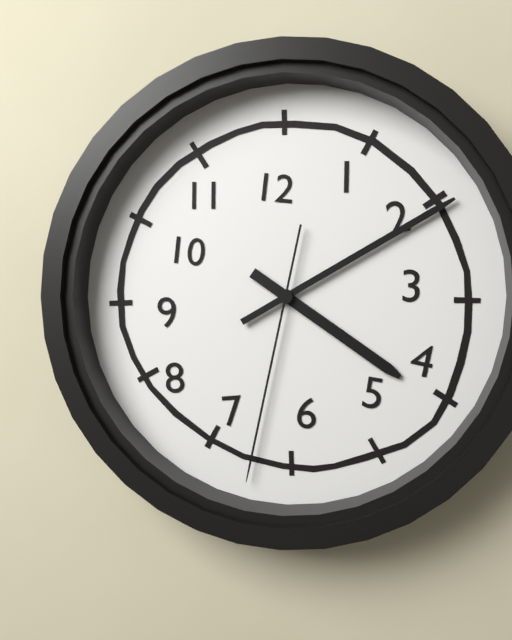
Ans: 4:10:32
